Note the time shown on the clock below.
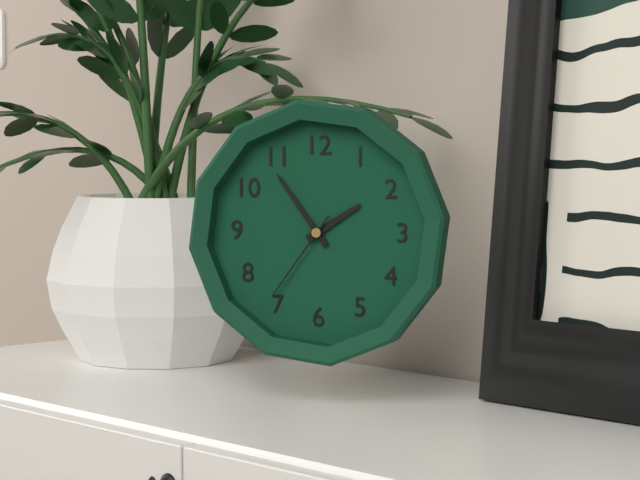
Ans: 1:54:36
